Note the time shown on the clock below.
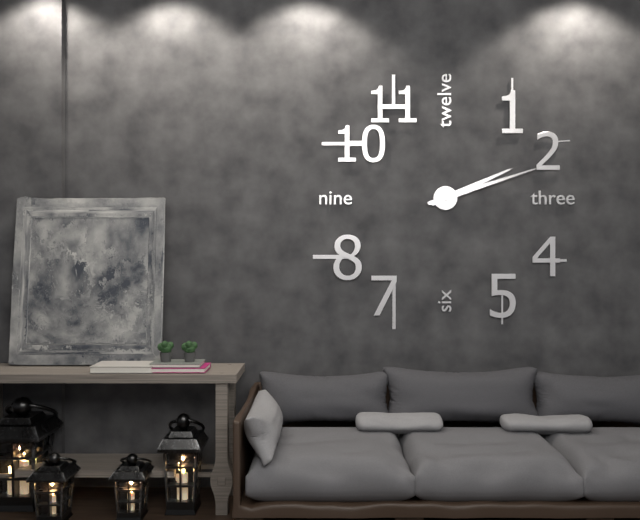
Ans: 2:12
